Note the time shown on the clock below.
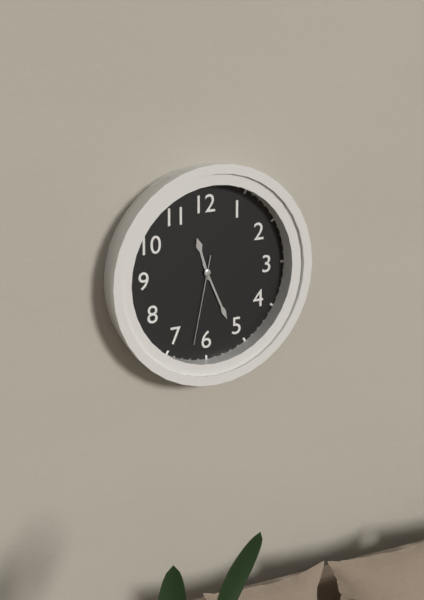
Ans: 11:26:32
